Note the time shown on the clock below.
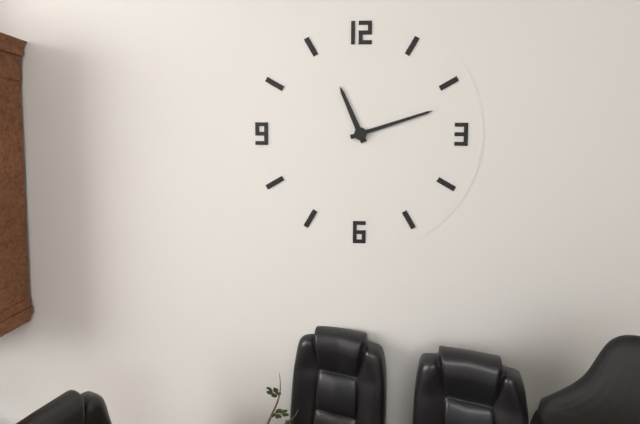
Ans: 11:12
